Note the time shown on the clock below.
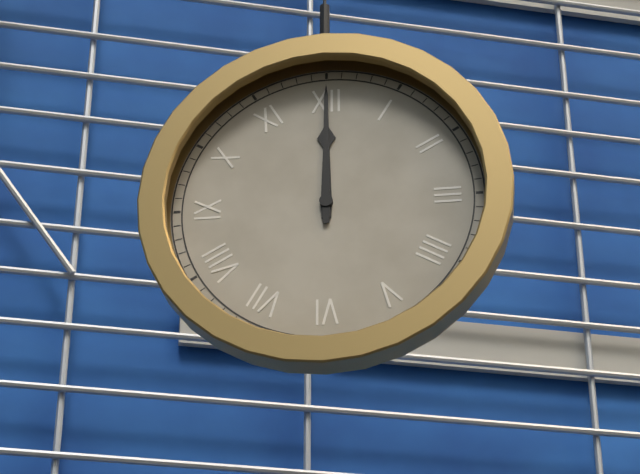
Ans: 12:00
